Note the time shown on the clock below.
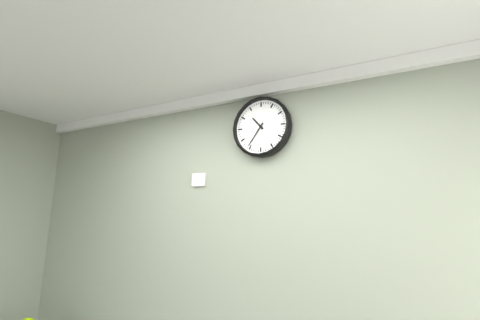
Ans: 10:36
